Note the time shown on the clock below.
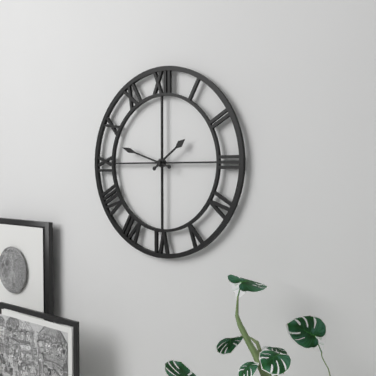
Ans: 1:48
